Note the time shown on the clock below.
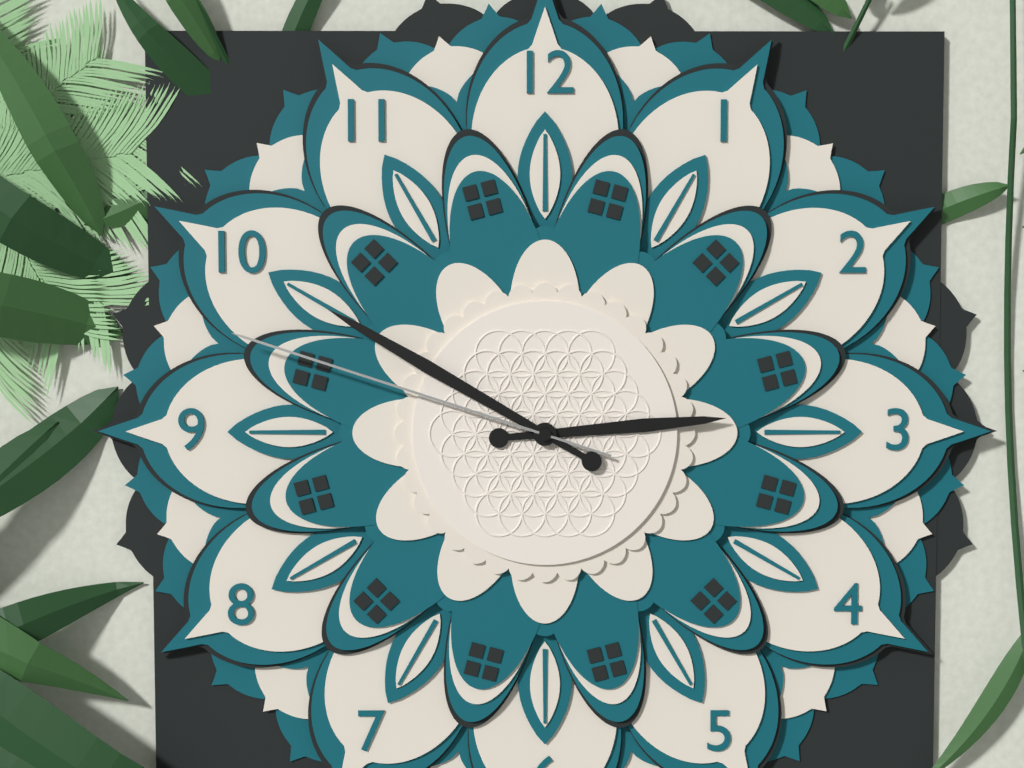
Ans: 2:50:48
